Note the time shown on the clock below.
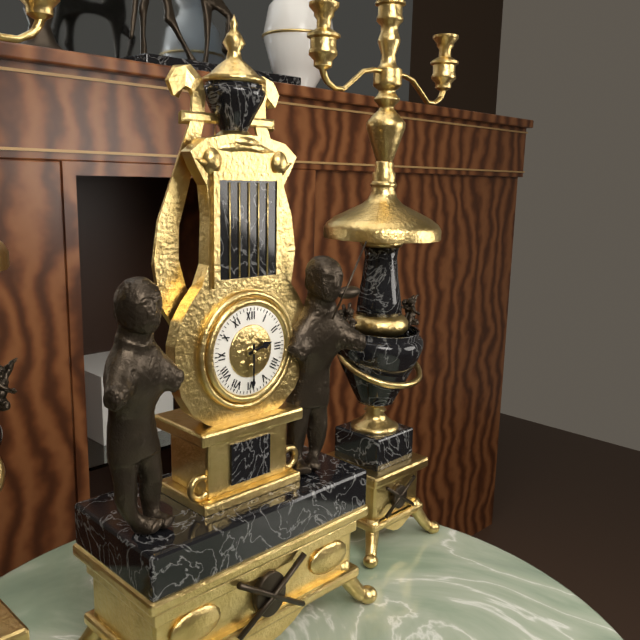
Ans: 2:30
